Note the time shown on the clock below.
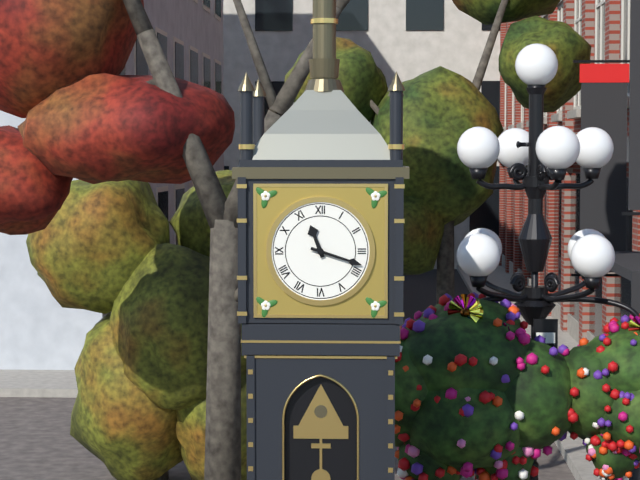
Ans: 11:18
